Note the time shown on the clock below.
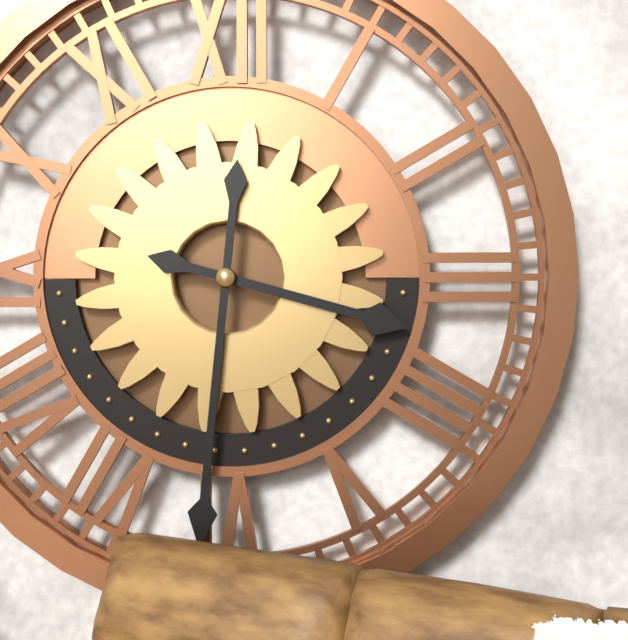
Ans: 3:31
